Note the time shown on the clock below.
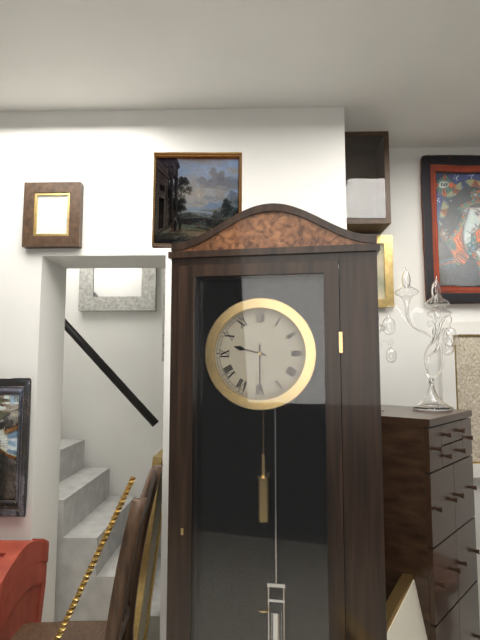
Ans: 9:30
